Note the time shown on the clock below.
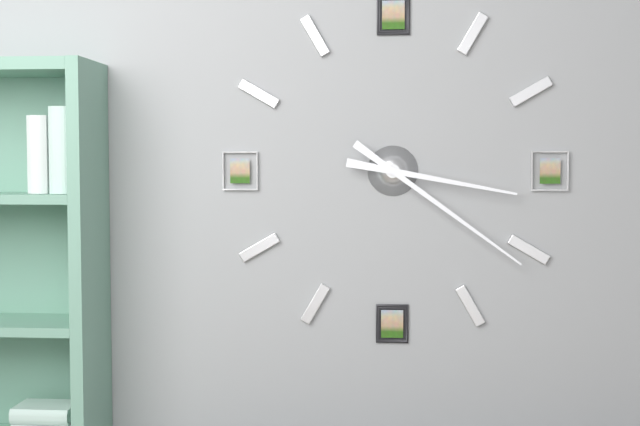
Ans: 3:21
